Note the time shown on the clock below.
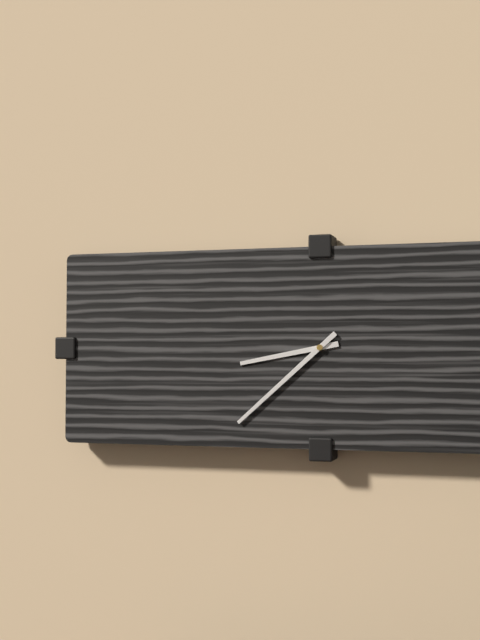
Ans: 8:38
